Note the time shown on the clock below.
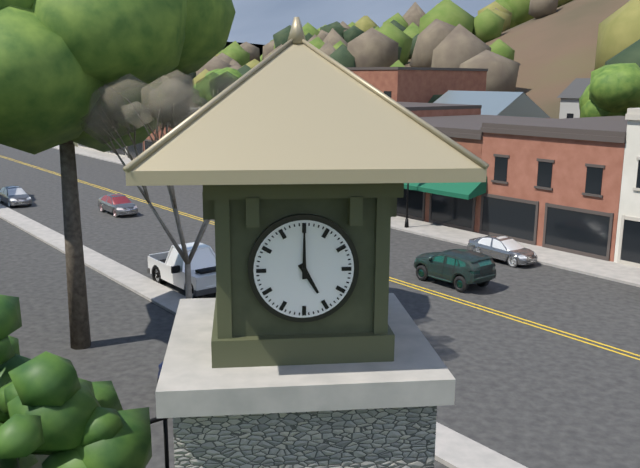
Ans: 5:00
